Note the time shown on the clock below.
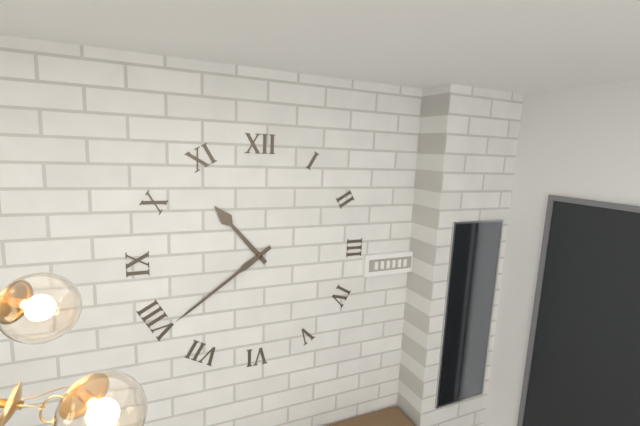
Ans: 10:39
